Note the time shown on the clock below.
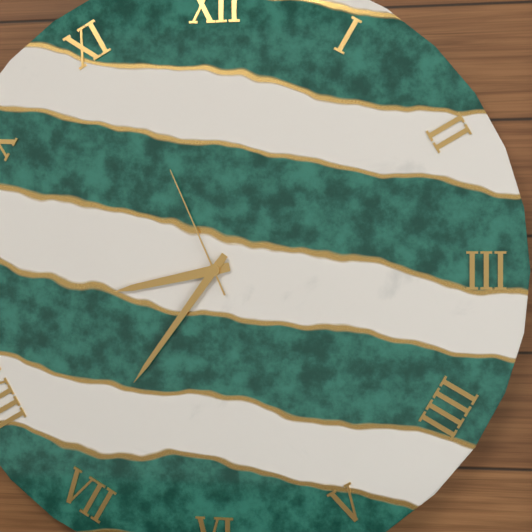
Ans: 8:36:56
